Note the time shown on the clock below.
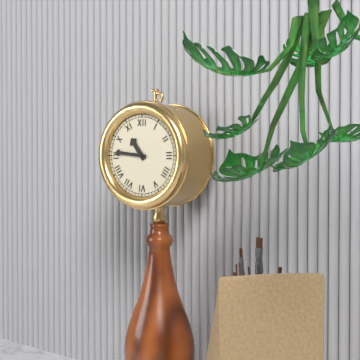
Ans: 10:46
